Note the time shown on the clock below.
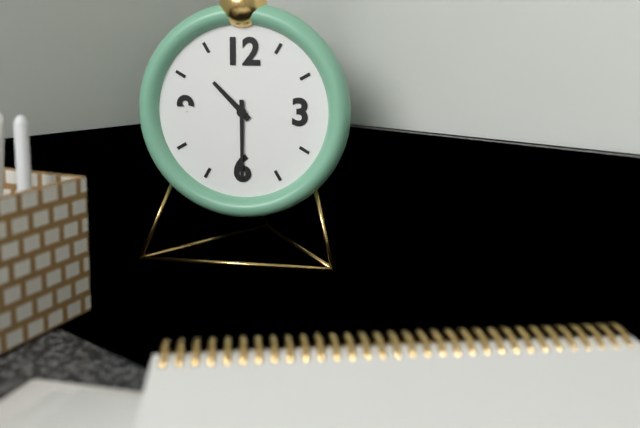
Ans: 10:30
